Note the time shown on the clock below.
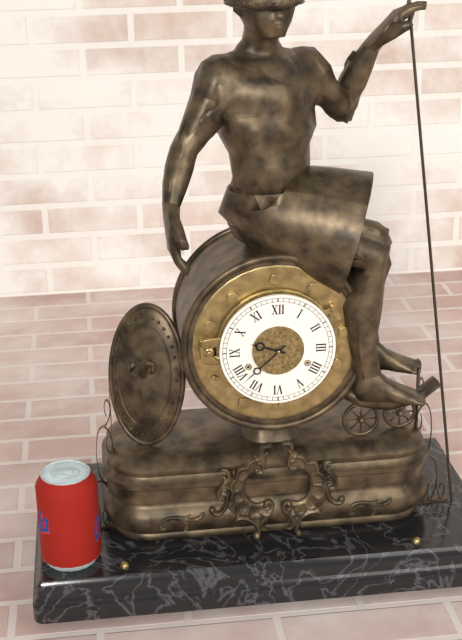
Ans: 9:38
